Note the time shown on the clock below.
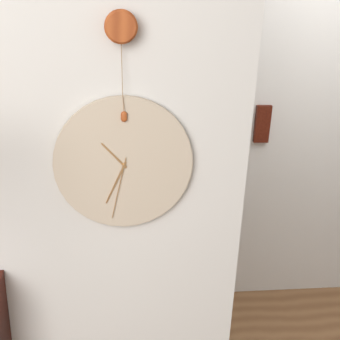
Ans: 10:34:32
